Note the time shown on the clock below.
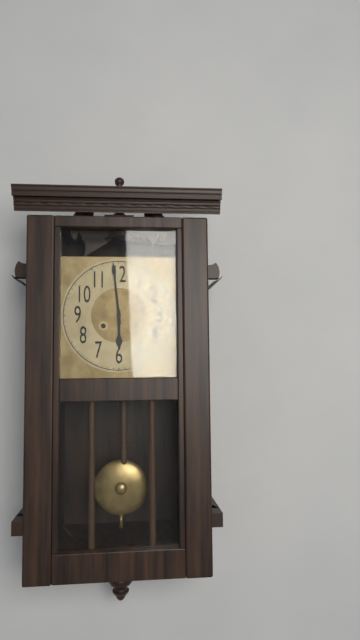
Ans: 5:59
